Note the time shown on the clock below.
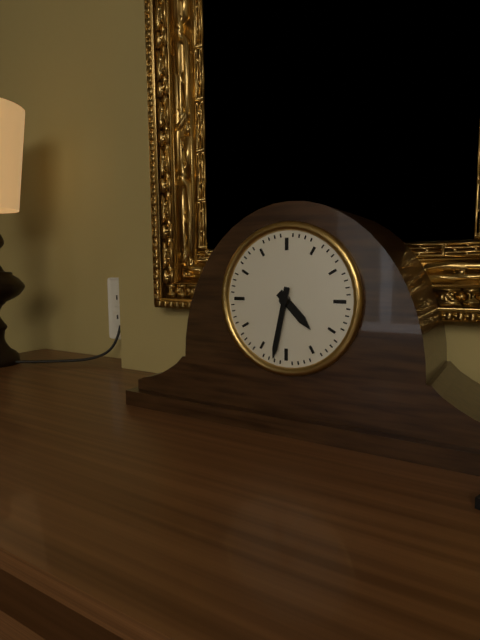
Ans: 4:32
